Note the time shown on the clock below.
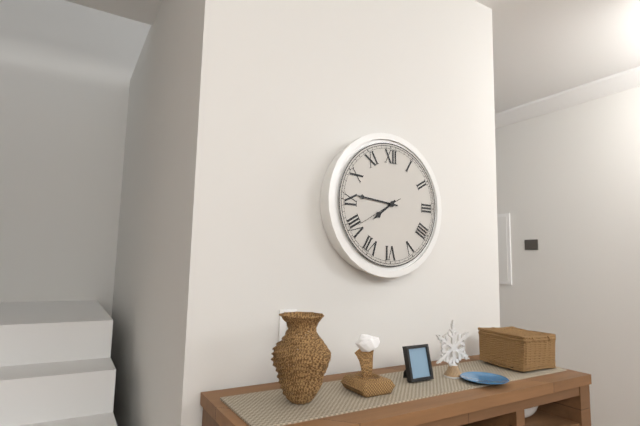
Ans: 7:46:40
